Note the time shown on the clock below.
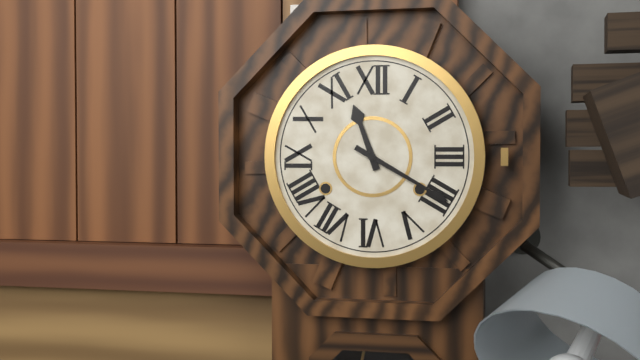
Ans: 11:20
